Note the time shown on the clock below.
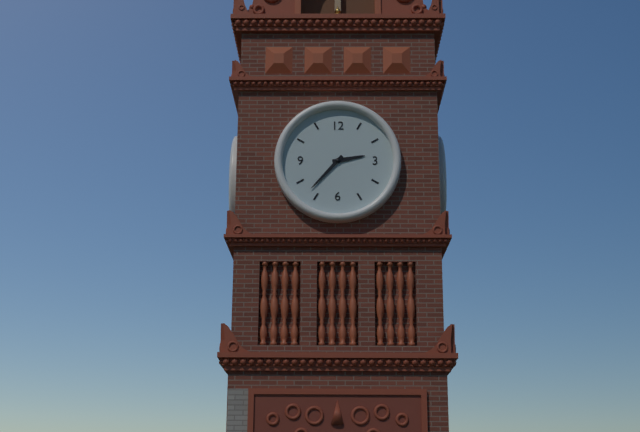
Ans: 2:37
